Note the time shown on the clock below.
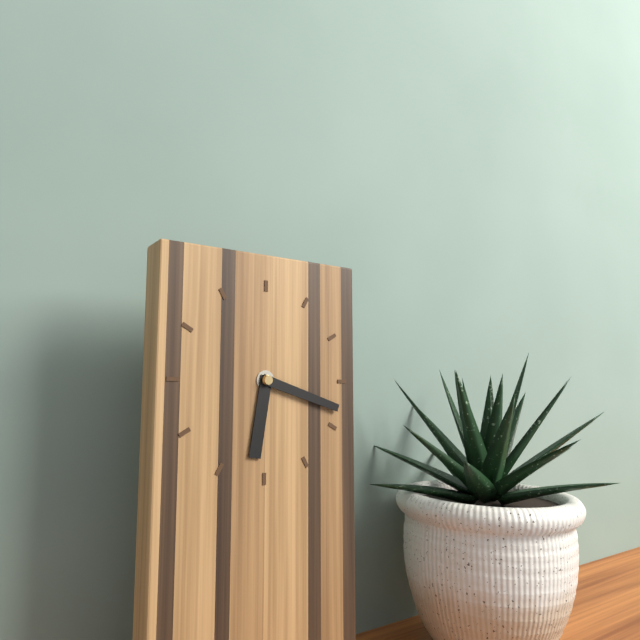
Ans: 6:18
